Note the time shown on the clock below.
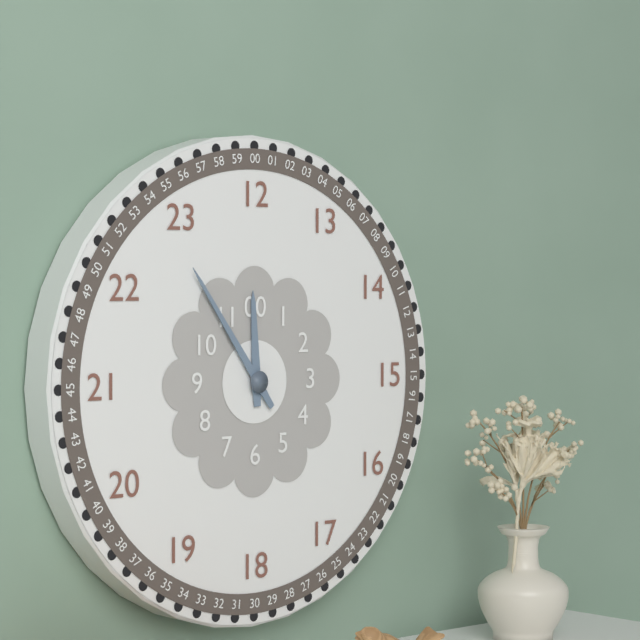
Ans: 11:54
